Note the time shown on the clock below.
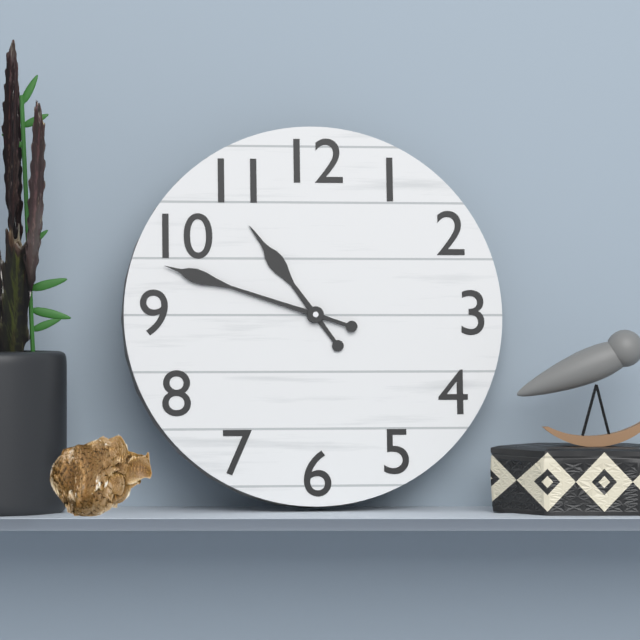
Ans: 10:48
